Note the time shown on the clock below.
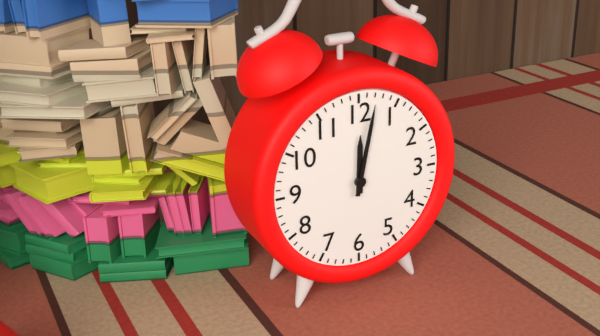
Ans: 12:02
